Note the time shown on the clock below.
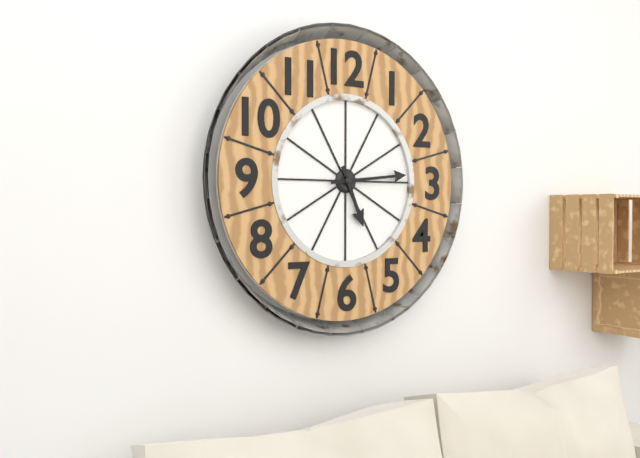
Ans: 5:14
